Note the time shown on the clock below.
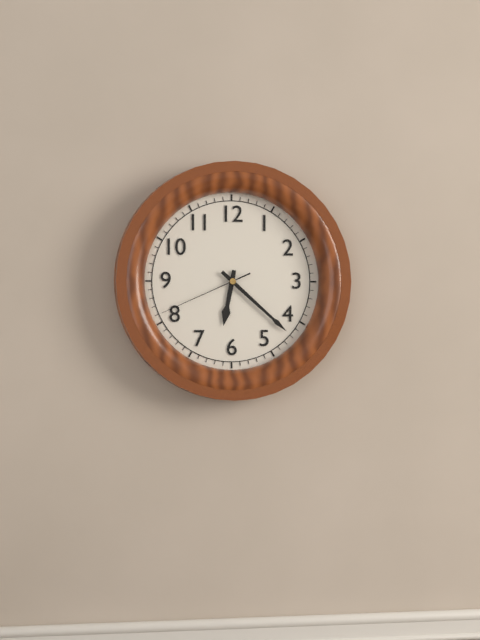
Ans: 6:22:41
